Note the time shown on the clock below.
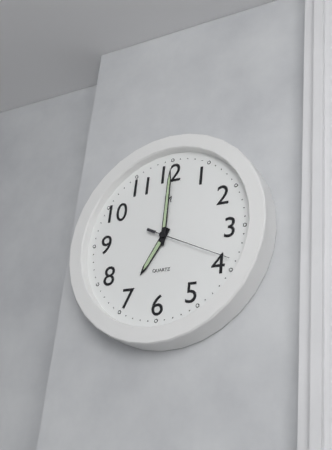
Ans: 7:00:19
